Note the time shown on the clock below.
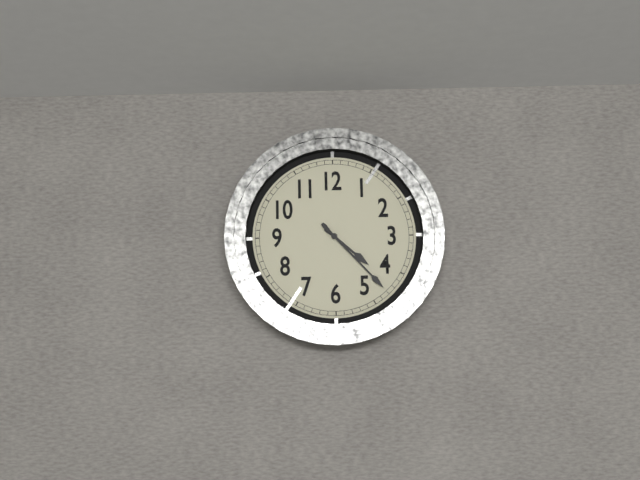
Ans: 4:23
